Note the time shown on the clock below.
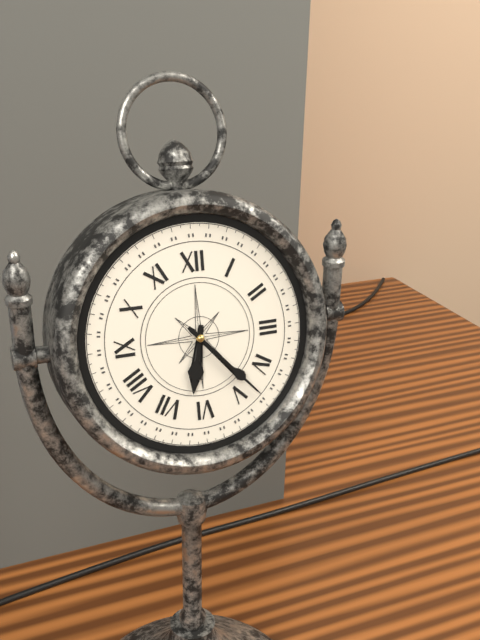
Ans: 6:23
